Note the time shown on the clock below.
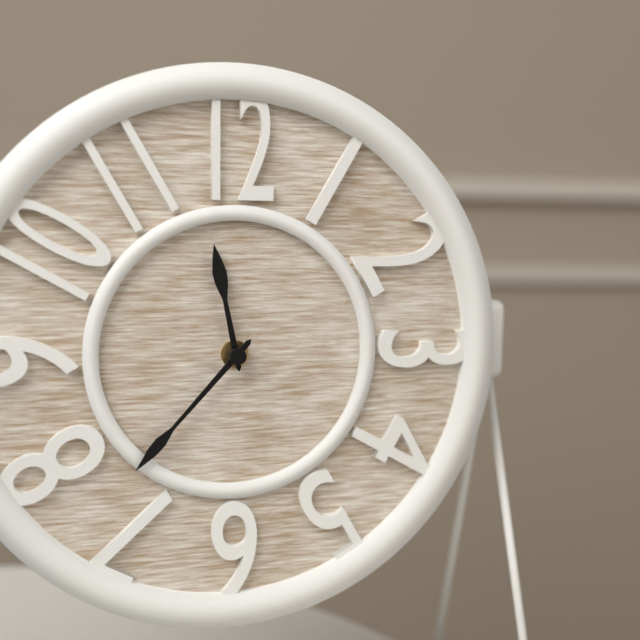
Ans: 11:37
